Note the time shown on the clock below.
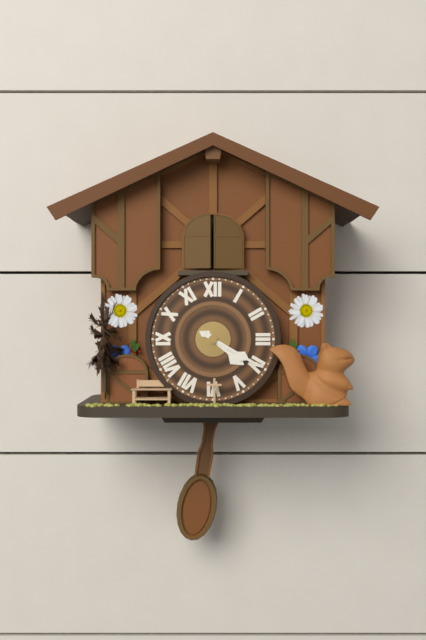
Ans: 4:20
